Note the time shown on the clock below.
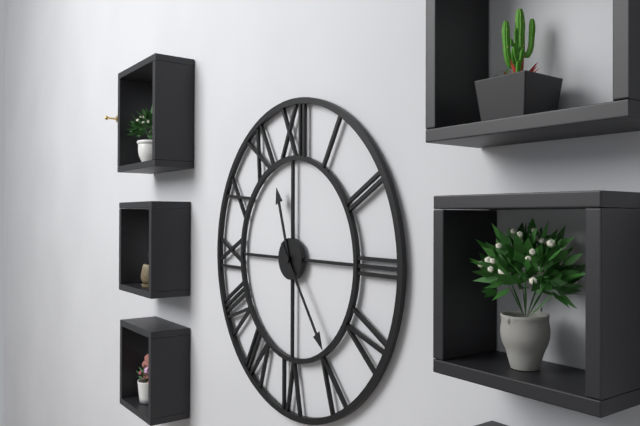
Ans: 11:24
